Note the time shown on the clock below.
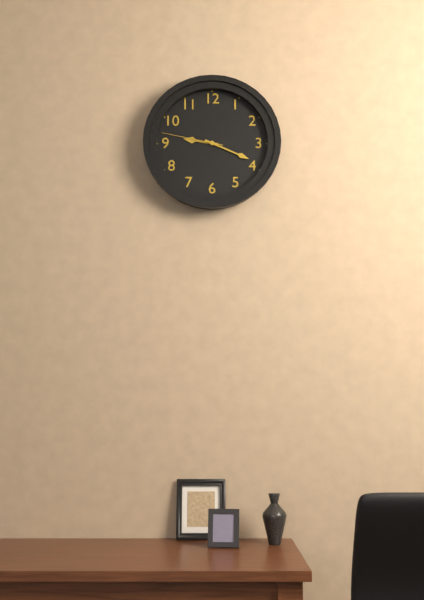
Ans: 9:19:47
